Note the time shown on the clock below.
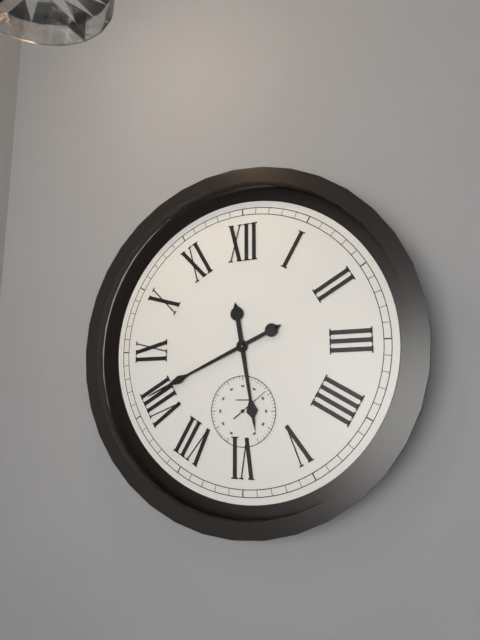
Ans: 5:41
